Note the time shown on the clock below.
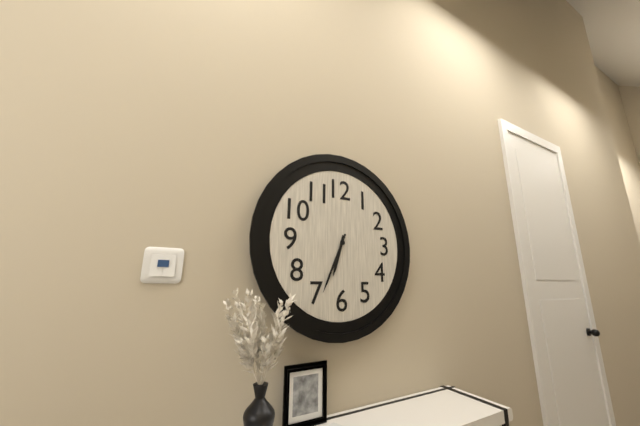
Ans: 6:34
